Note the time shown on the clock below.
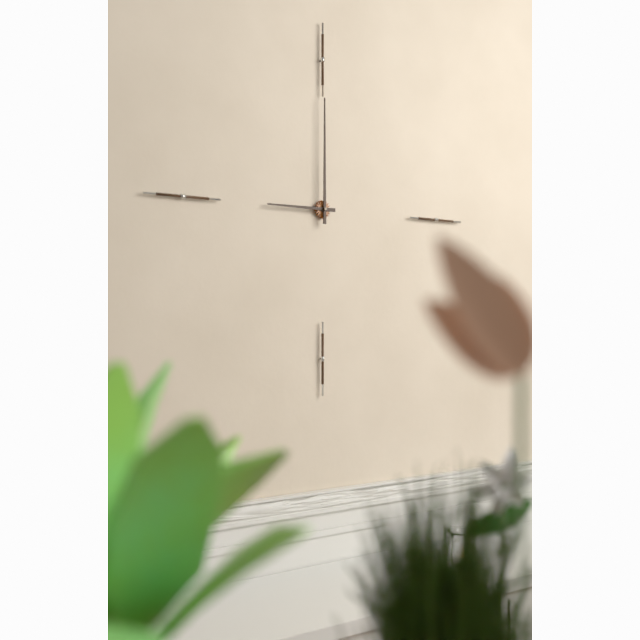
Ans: 9:00
